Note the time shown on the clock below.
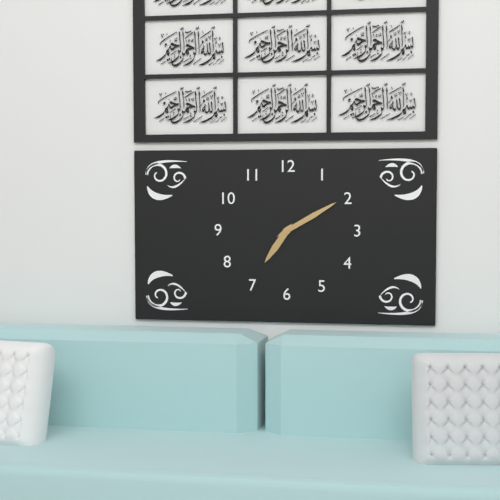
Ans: 7:10
